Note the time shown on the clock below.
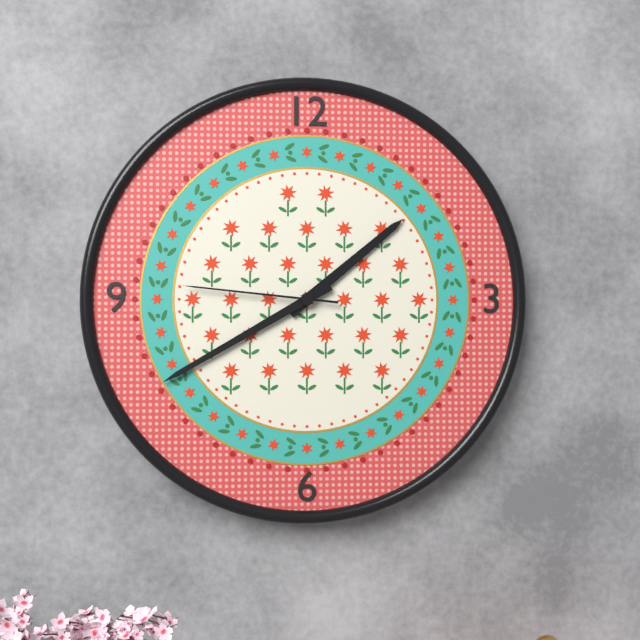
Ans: 1:40:46
